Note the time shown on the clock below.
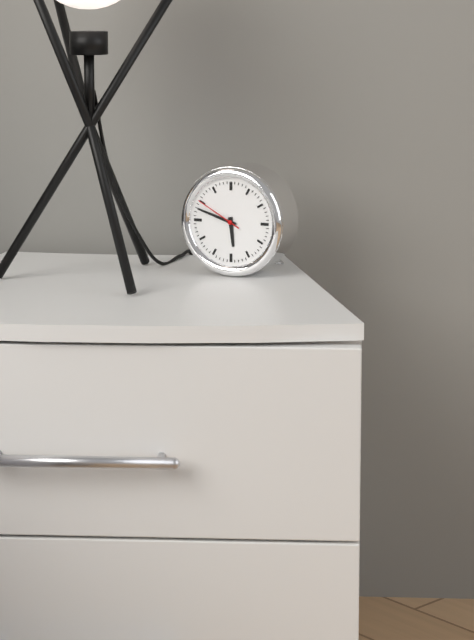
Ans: 5:48:50
